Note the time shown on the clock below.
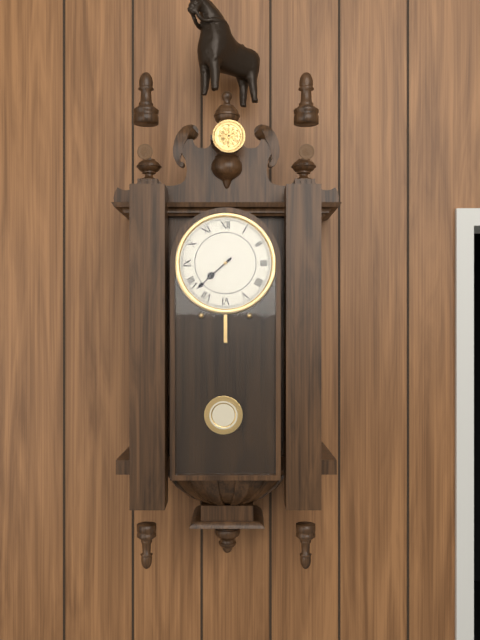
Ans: 7:38
